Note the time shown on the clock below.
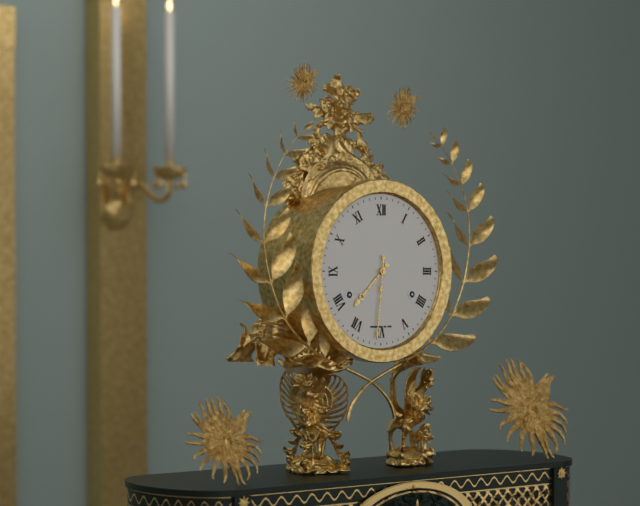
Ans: 7:31
